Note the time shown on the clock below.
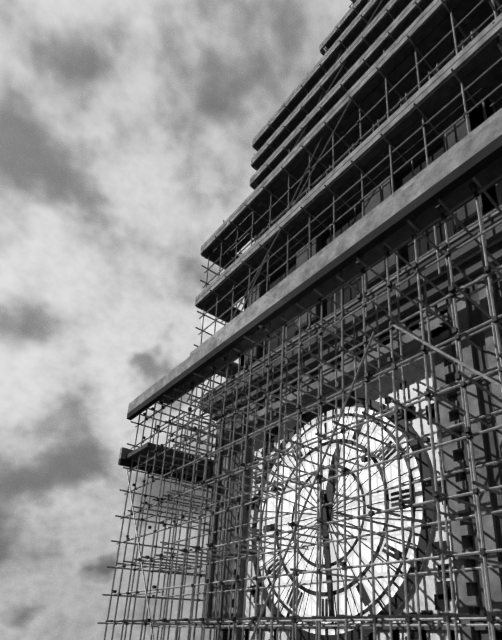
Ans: 12:29
